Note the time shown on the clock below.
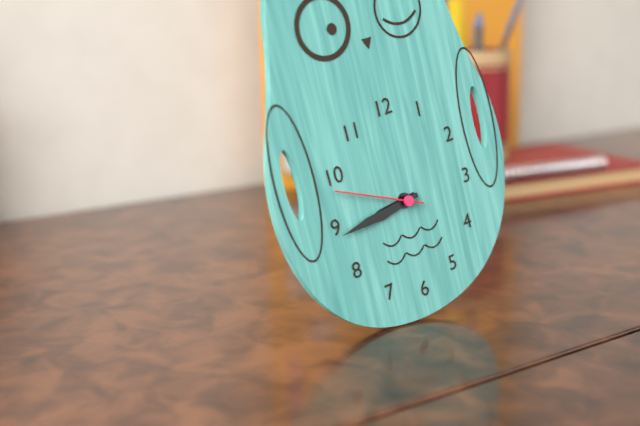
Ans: 8:44:49
